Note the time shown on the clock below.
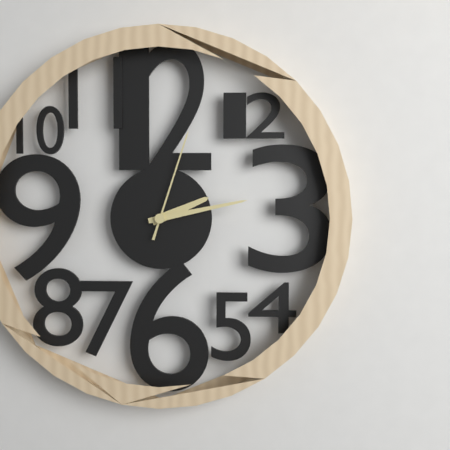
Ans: 2:13:03
